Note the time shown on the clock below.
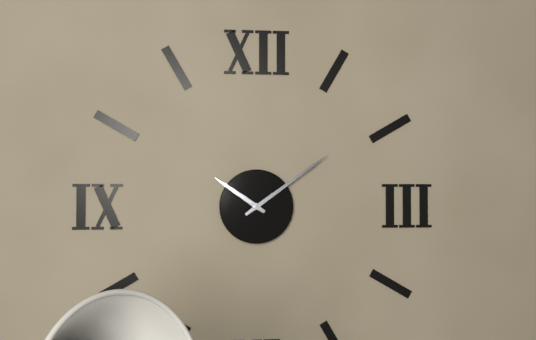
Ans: 10:09
